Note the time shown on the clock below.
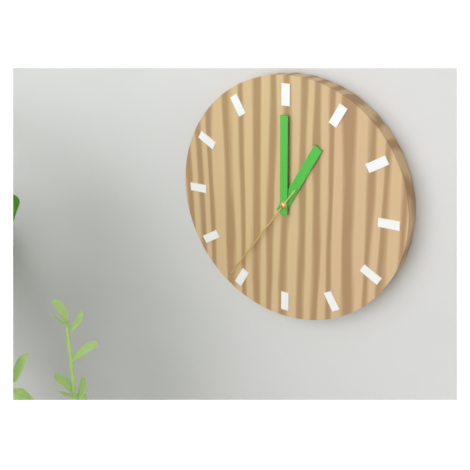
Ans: 1:00:36
